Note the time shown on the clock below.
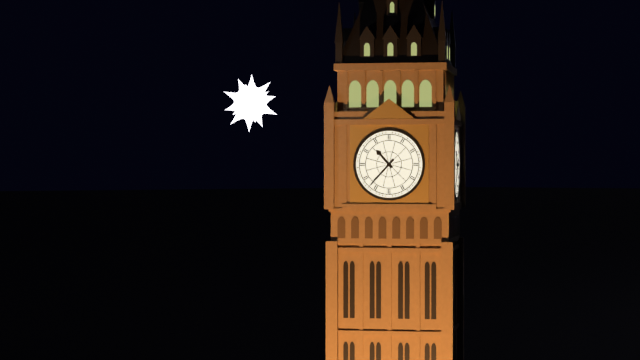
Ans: 10:37
